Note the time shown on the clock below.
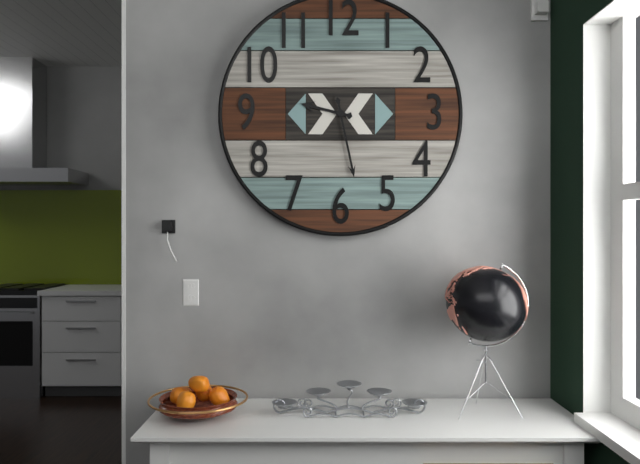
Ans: 9:28
